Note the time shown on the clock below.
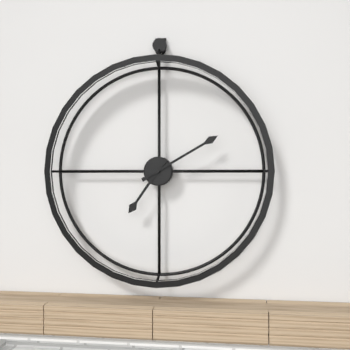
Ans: 7:10
